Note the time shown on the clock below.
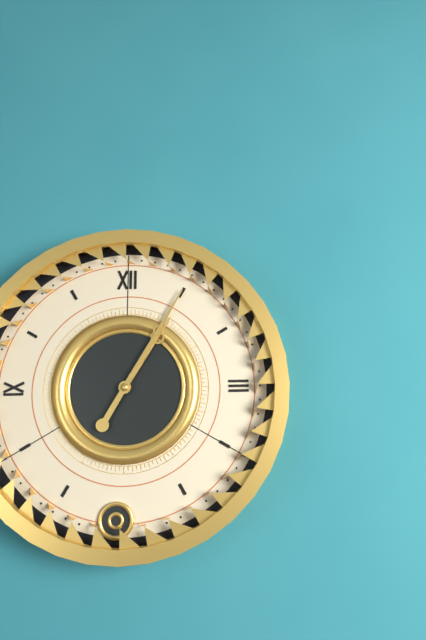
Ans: 1:05
